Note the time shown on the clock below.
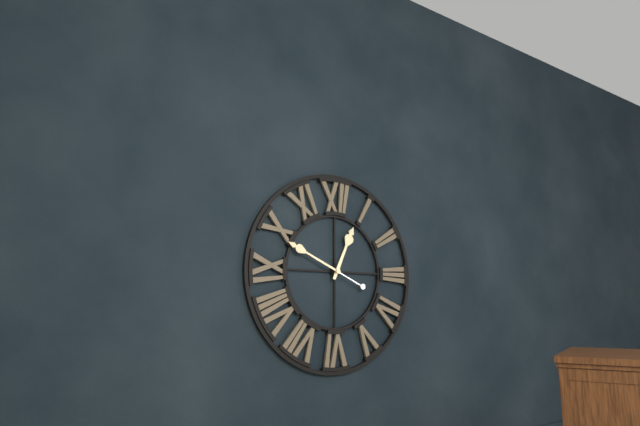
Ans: 12:49
